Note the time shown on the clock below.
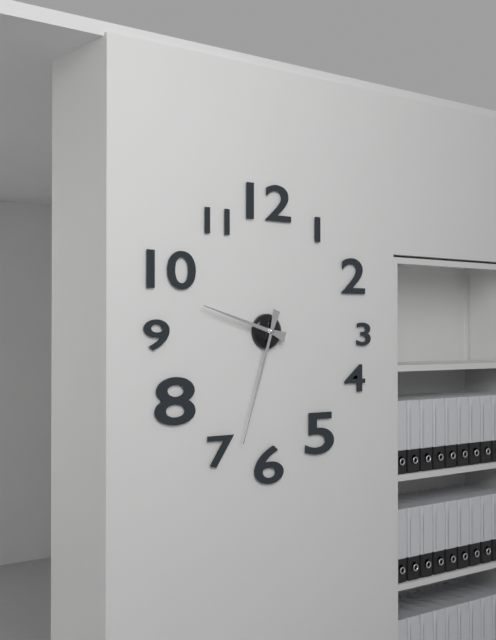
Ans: 9:33
